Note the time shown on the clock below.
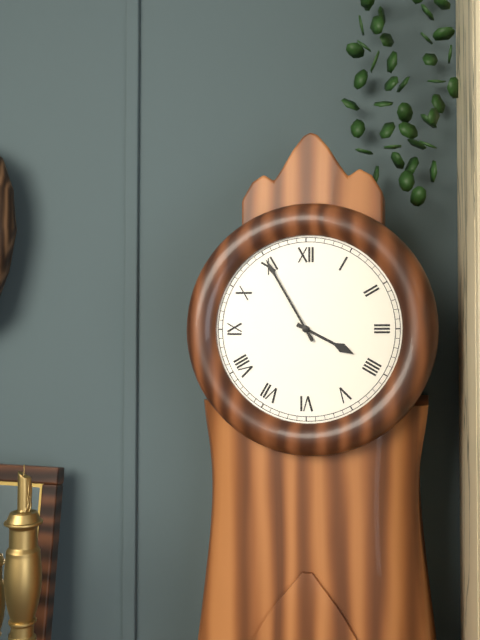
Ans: 3:55
